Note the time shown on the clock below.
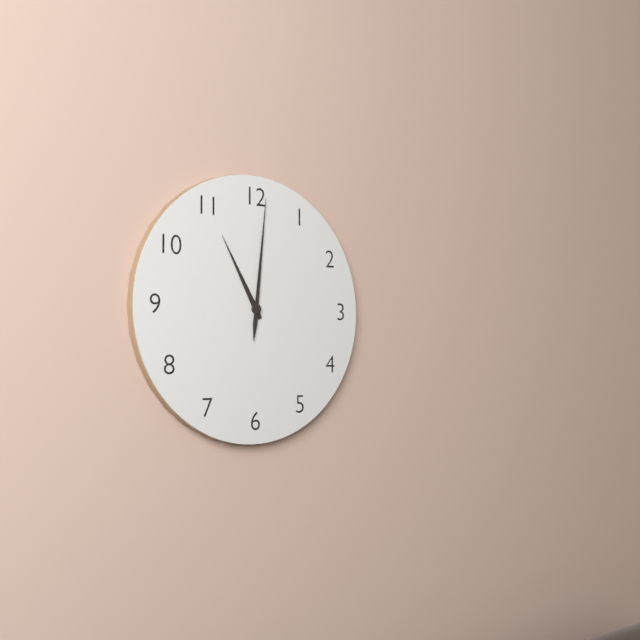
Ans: 11:01
